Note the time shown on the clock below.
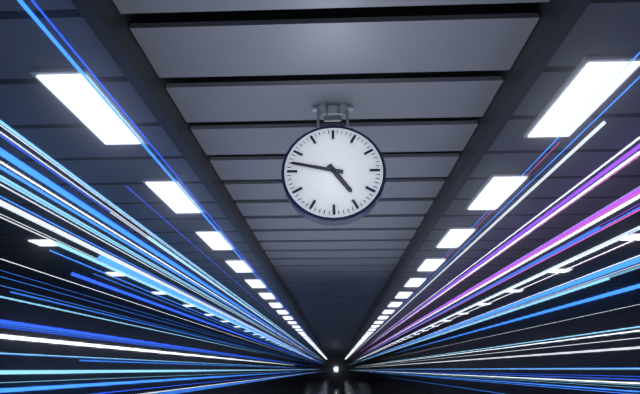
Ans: 4:47
